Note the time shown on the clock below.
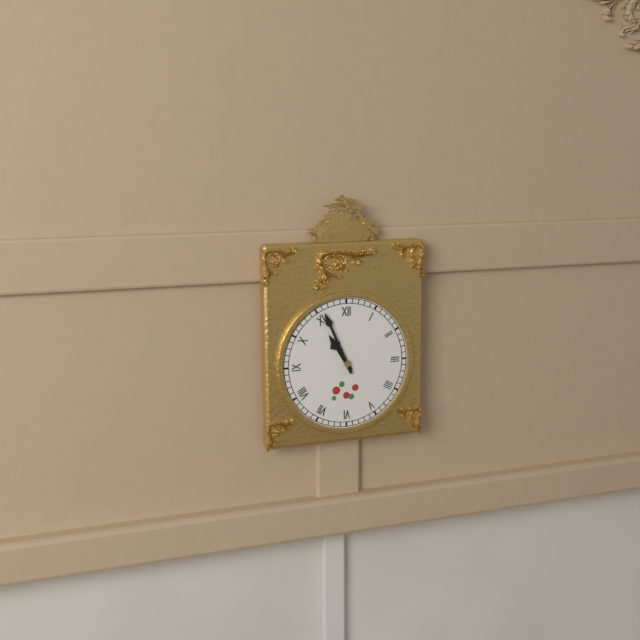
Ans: 10:56
